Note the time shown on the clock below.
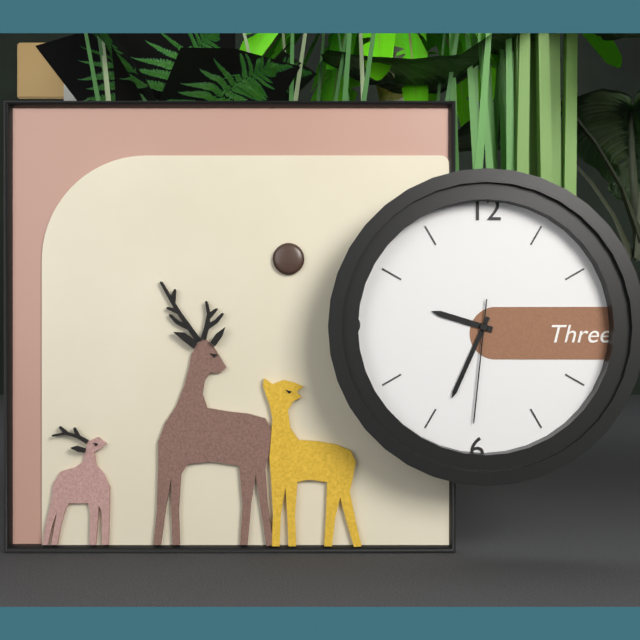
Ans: 9:34:31
